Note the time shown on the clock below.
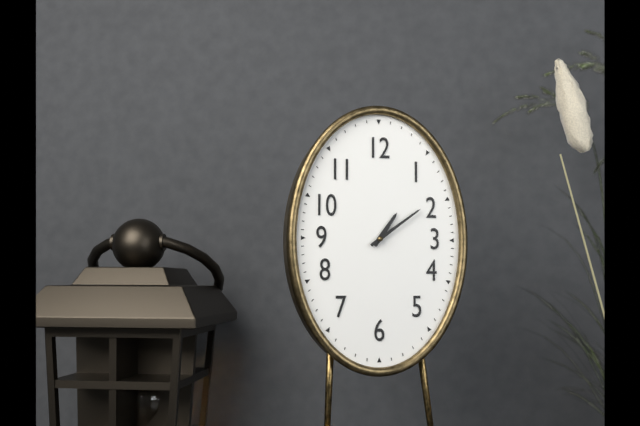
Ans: 1:09
